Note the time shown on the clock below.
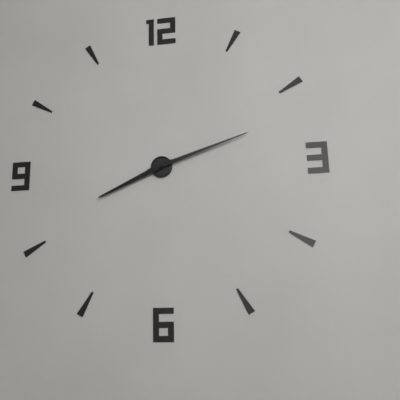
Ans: 8:12
